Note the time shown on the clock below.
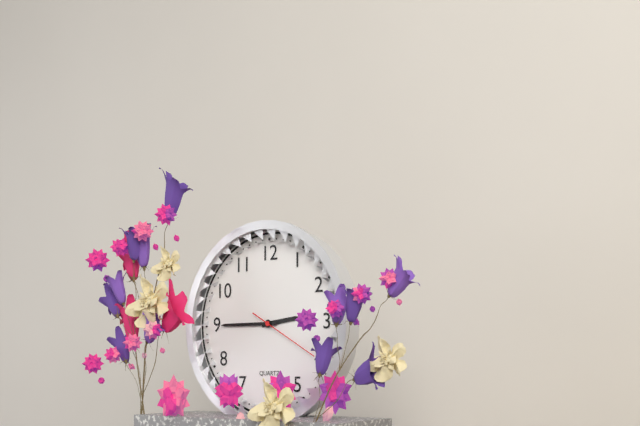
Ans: 2:45:20
